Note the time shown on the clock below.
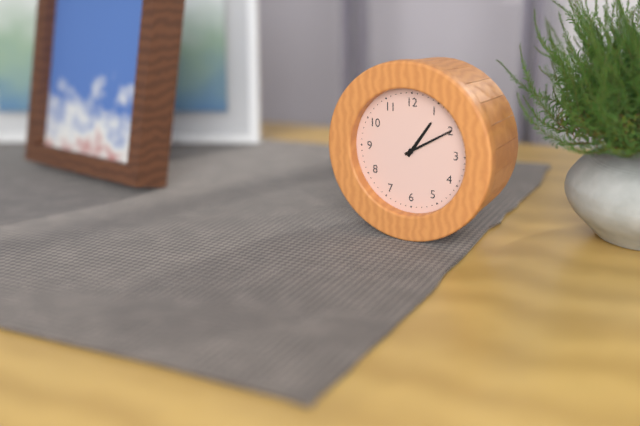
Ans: 1:10
